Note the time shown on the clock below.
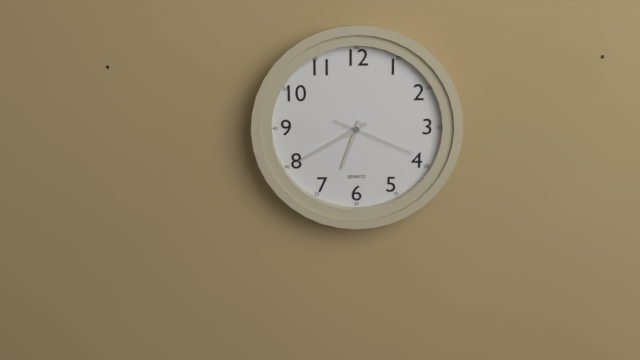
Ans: 6:40:19
